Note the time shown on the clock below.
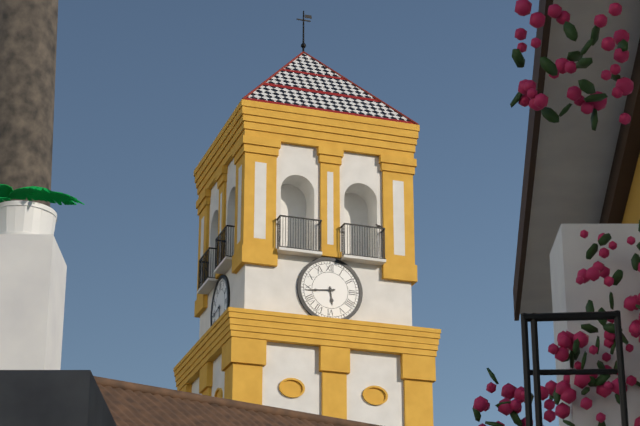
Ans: 5:44
